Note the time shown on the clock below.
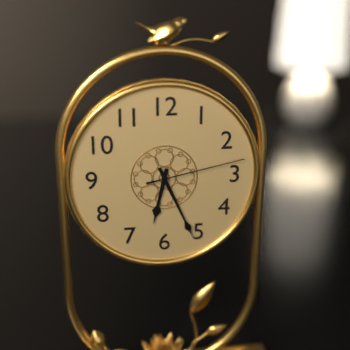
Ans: 6:26:13
